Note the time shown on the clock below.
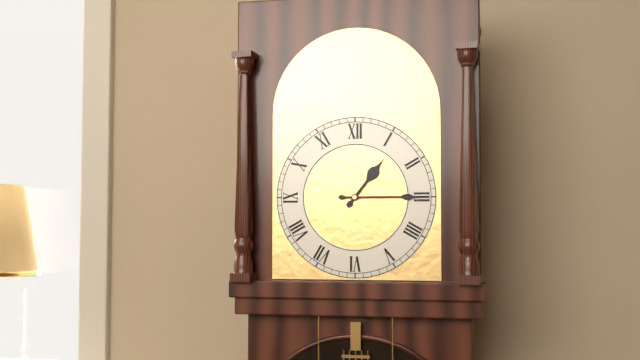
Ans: 1:15
